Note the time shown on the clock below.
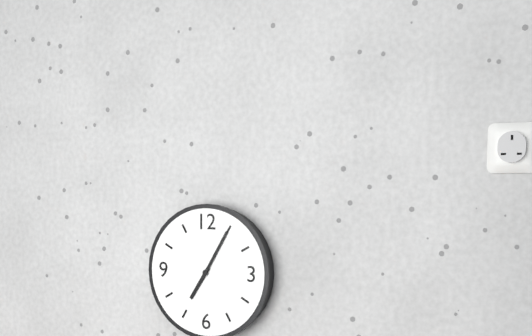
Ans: 7:05
